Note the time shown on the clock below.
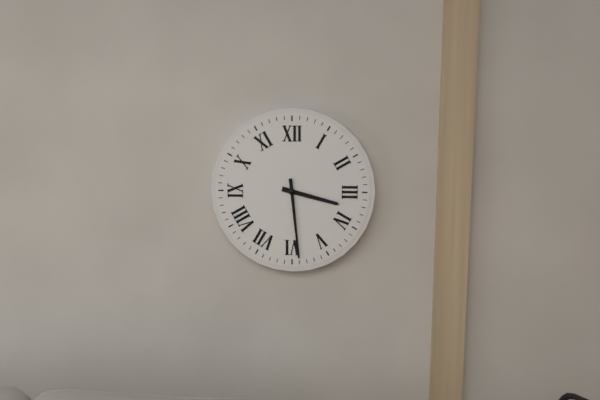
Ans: 3:29
